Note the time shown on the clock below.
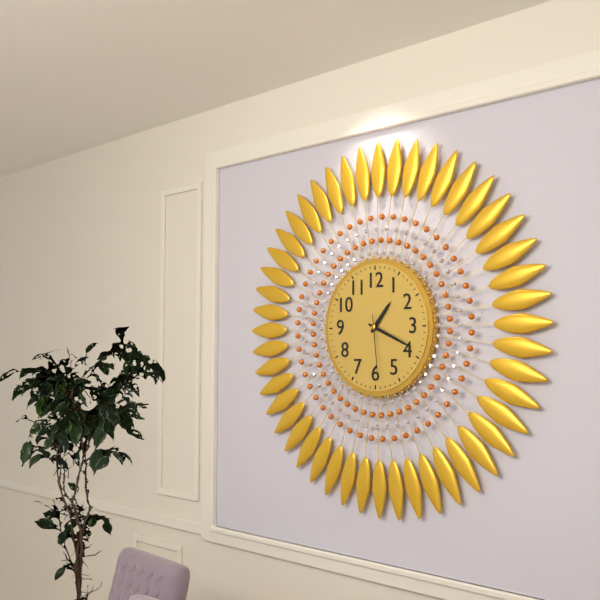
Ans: 1:19:29
